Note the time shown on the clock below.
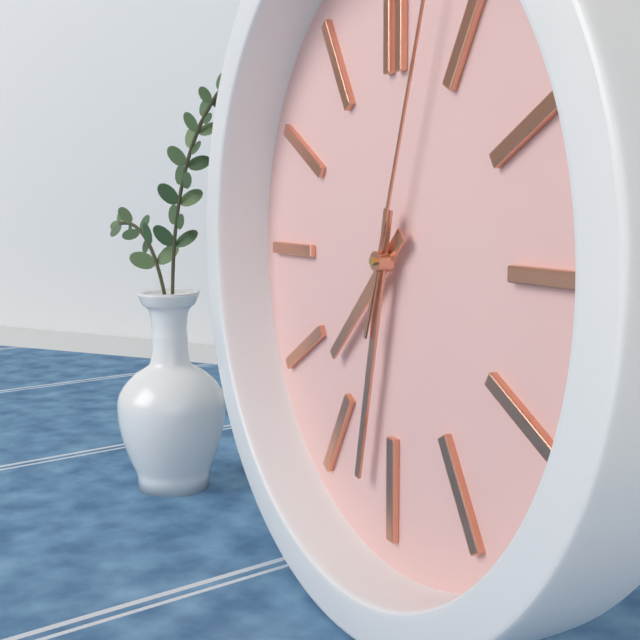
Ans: 7:32
